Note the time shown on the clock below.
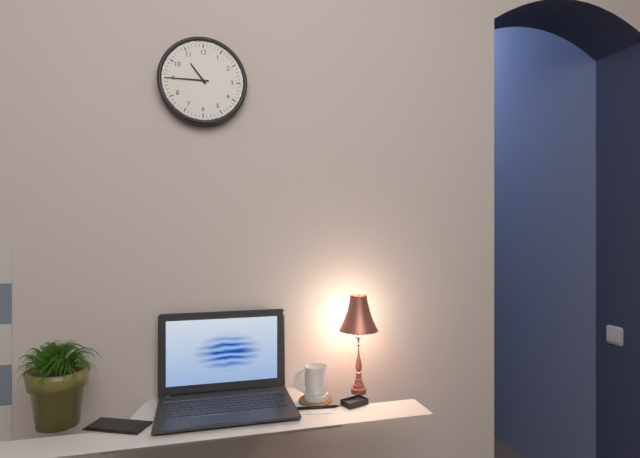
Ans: 10:45
